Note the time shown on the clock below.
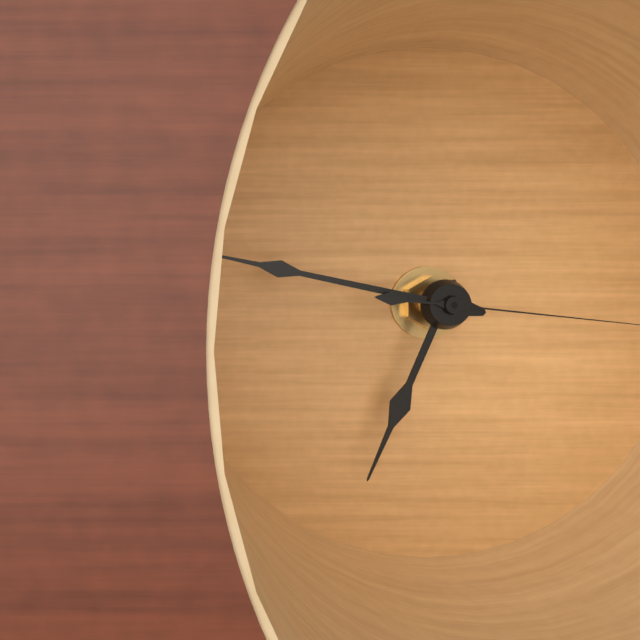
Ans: 6:47
